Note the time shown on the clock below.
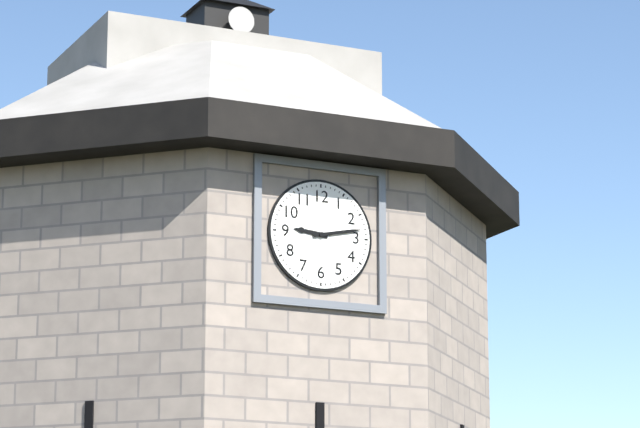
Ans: 9:13
